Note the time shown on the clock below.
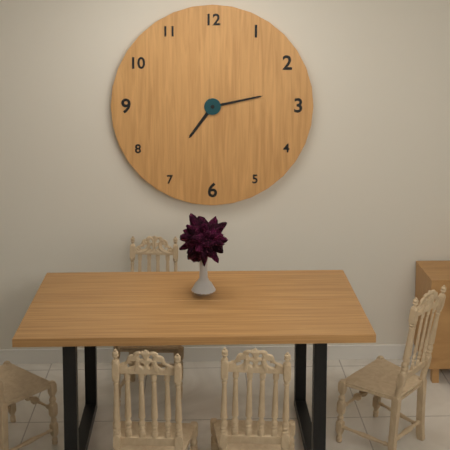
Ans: 7:13
